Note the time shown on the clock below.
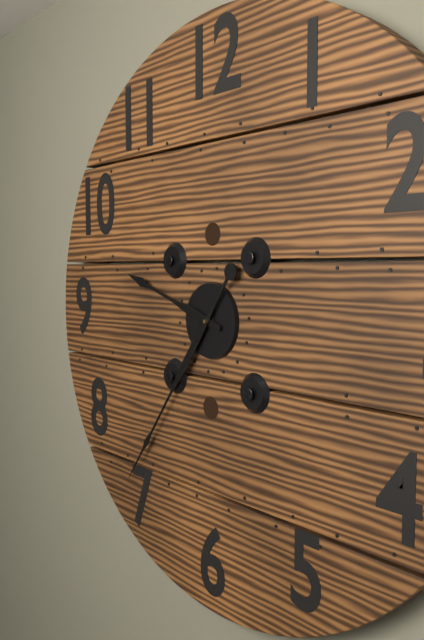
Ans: 9:36
